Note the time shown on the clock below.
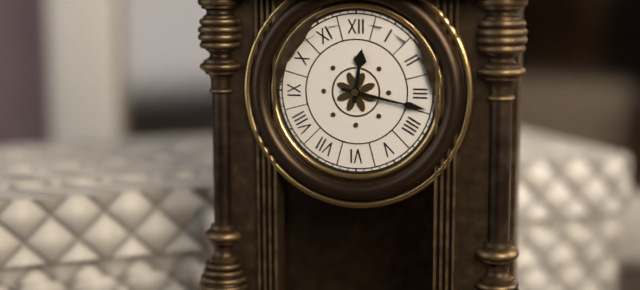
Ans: 12:17
